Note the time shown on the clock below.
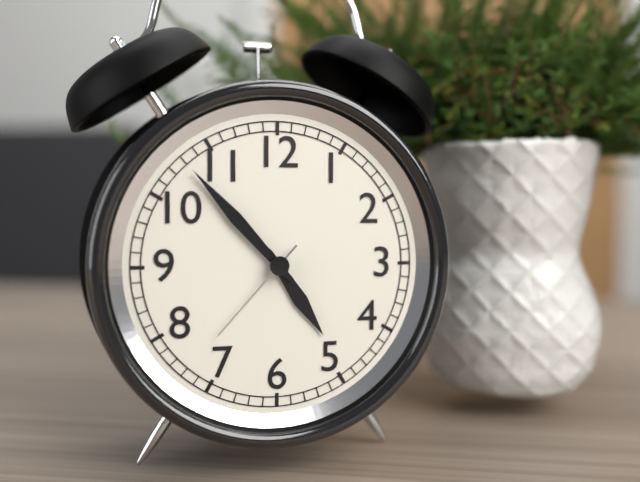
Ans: 4:53:37
